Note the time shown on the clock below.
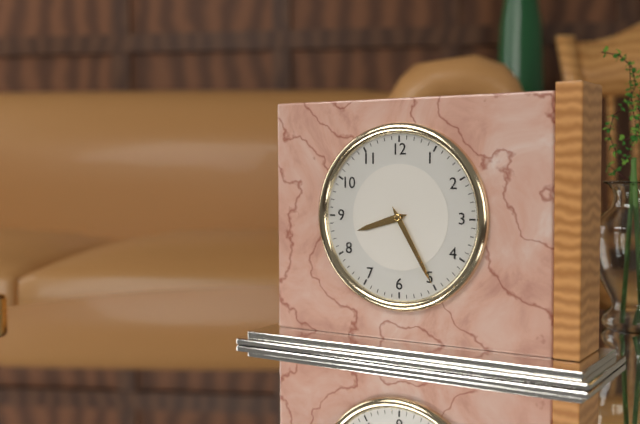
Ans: 8:25
